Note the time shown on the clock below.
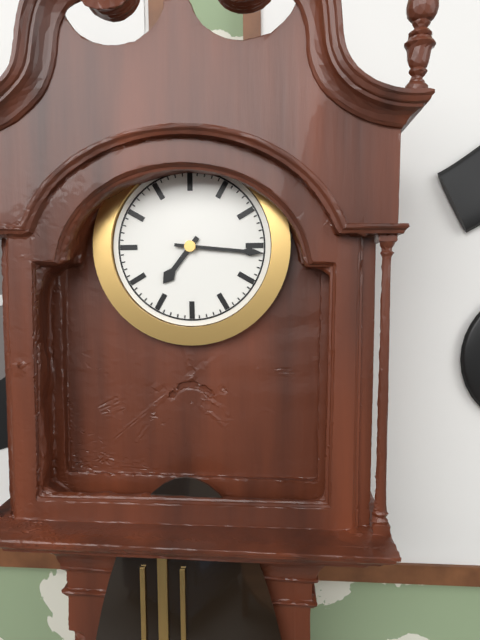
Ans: 7:16
